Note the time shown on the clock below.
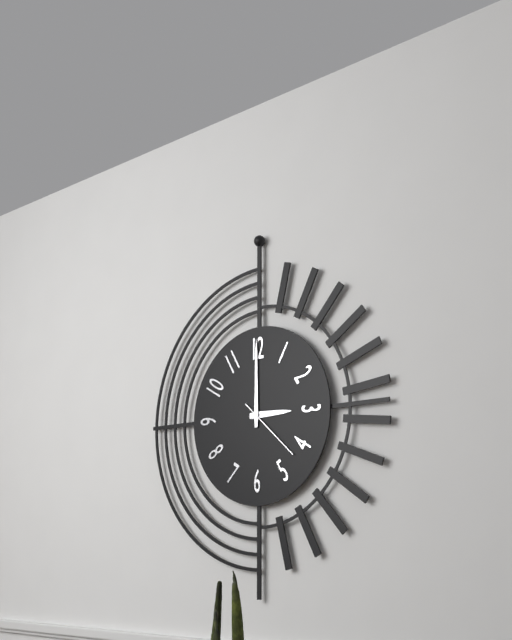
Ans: 3:00:22
